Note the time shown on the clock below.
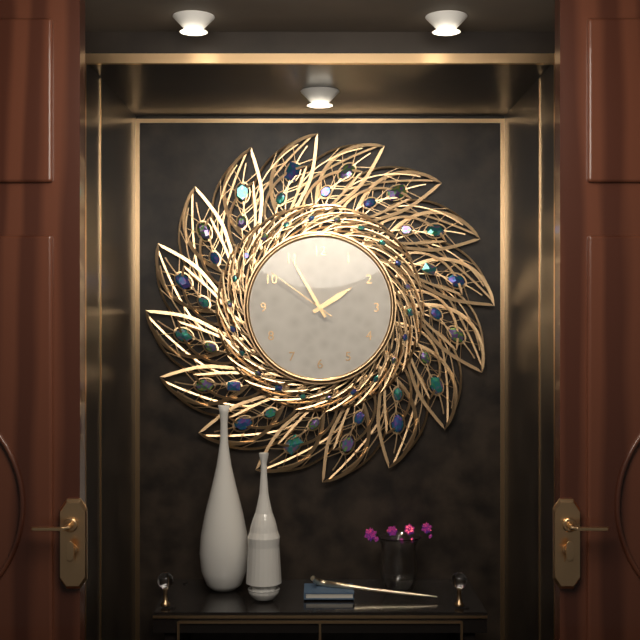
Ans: 1:55:51
